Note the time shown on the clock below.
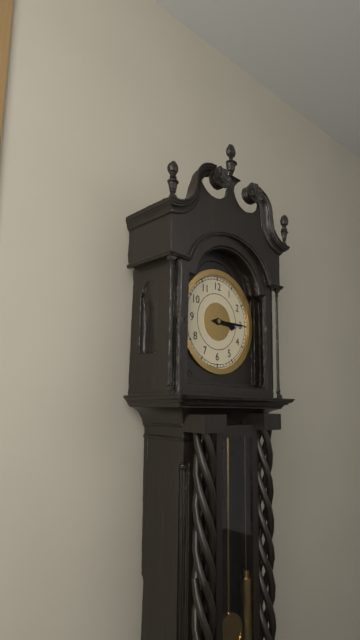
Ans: 3:15
